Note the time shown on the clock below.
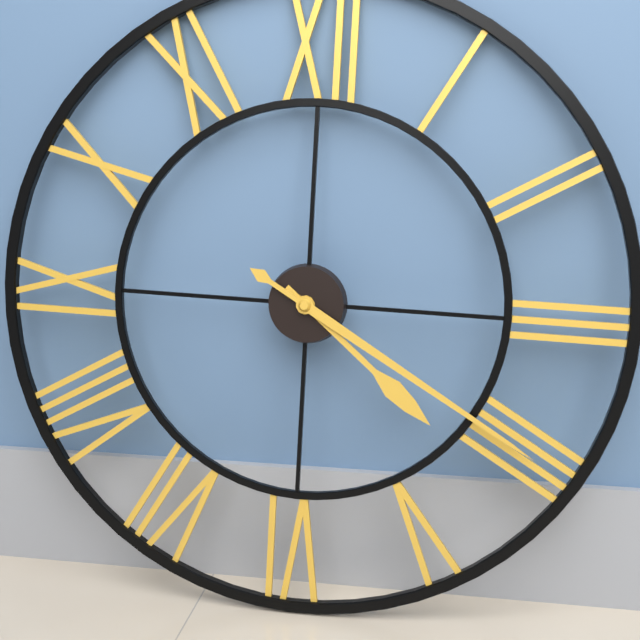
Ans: 4:20
